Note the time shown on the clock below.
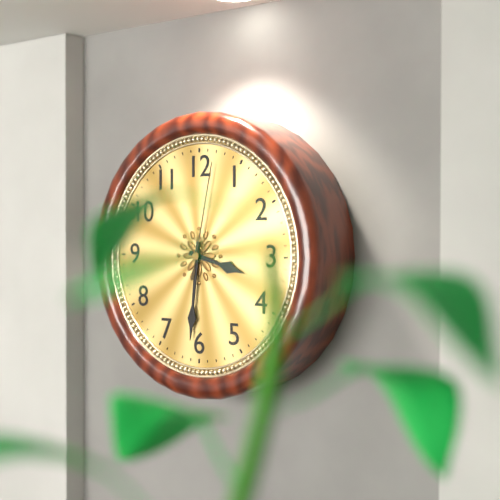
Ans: 3:31:02
